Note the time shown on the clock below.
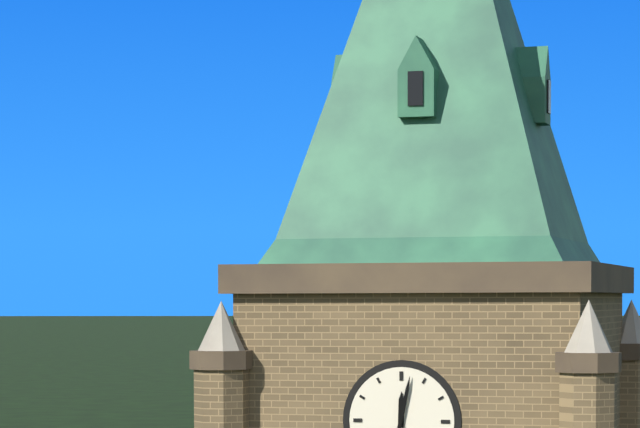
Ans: 12:02
